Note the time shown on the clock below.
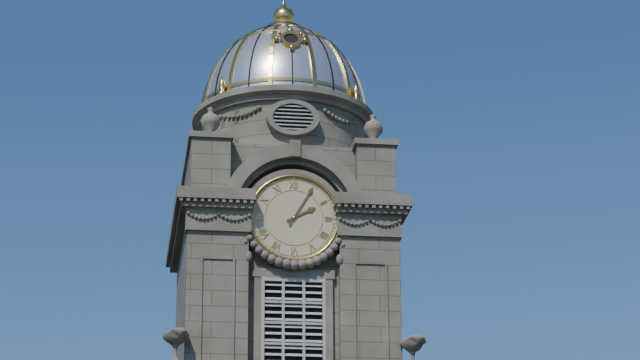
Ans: 2:05
